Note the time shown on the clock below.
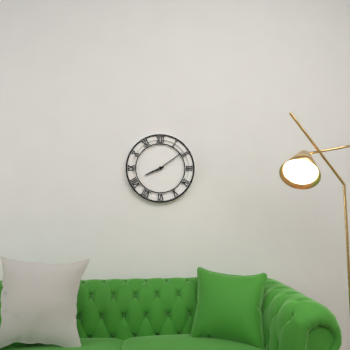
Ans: 8:09
